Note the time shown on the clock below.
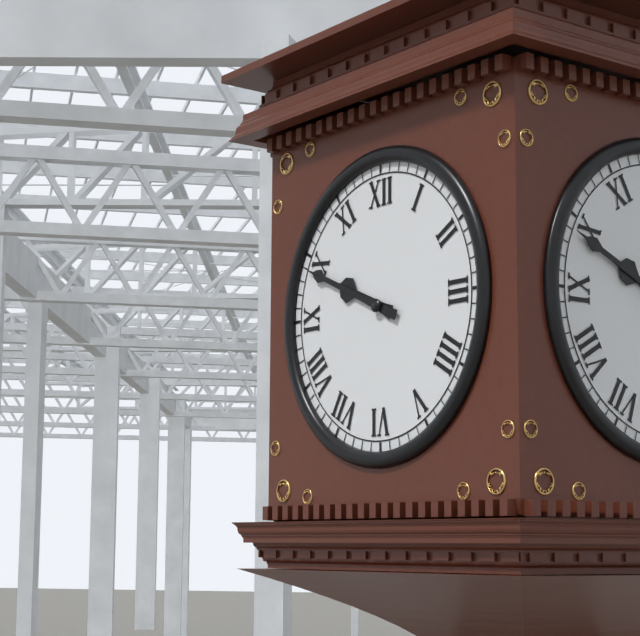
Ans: 9:49
